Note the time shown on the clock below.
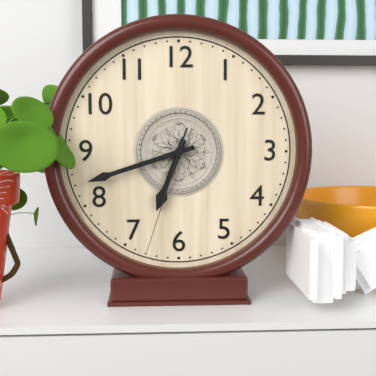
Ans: 6:42:33
